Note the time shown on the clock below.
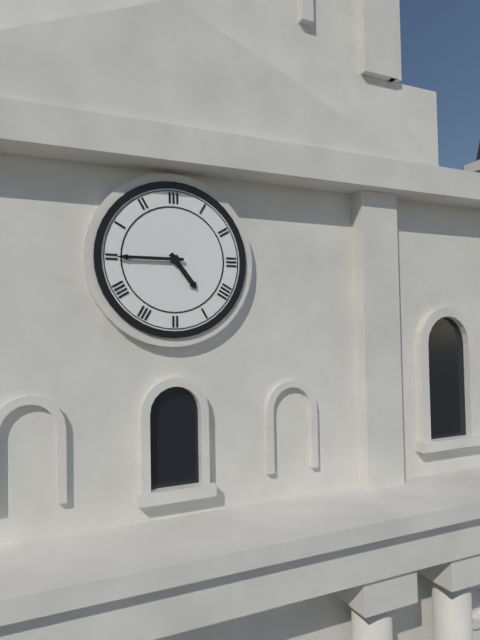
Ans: 4:45
